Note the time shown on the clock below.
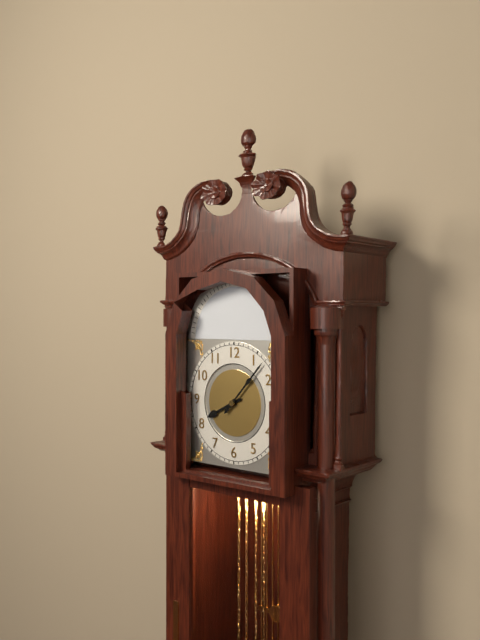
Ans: 8:07
